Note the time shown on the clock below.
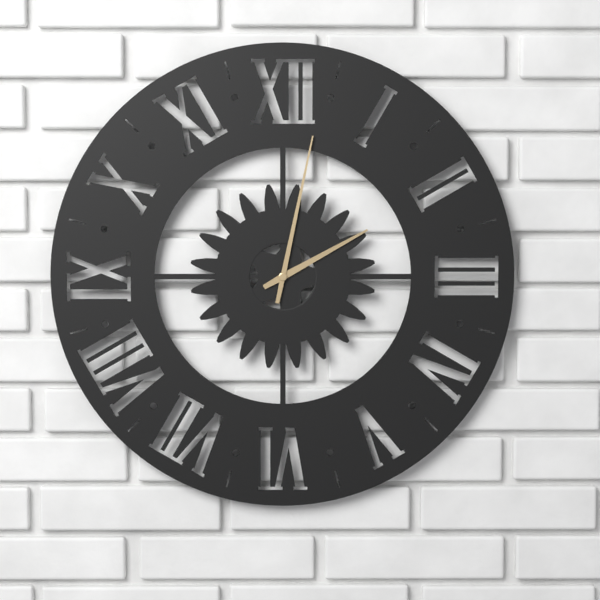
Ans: 2:02
